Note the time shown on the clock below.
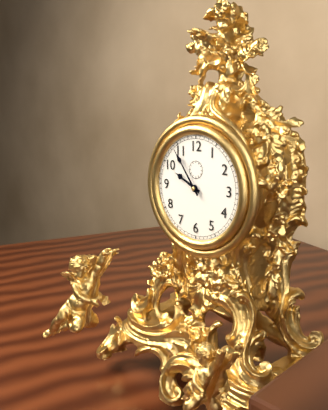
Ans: 9:54
